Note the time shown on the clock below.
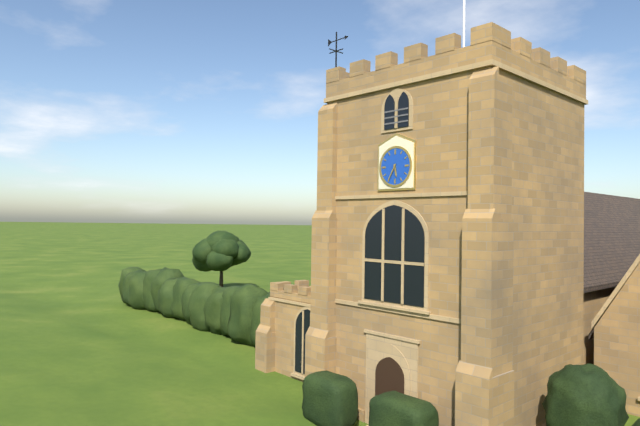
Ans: 5:35
